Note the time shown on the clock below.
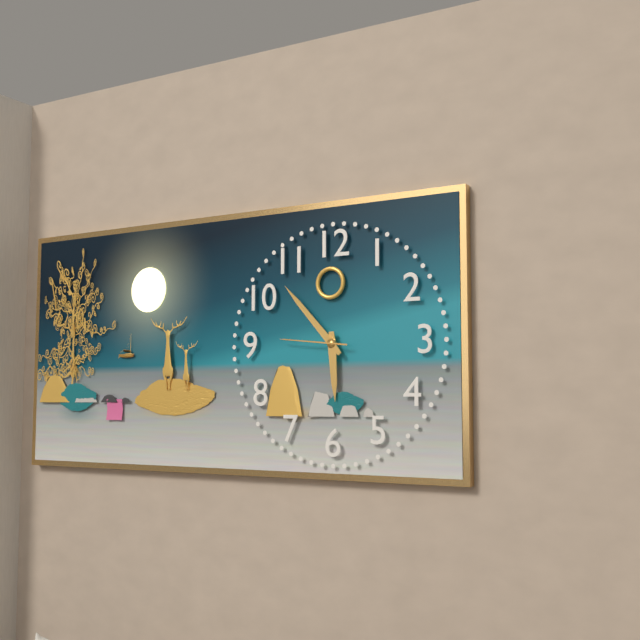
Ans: 5:53:46
